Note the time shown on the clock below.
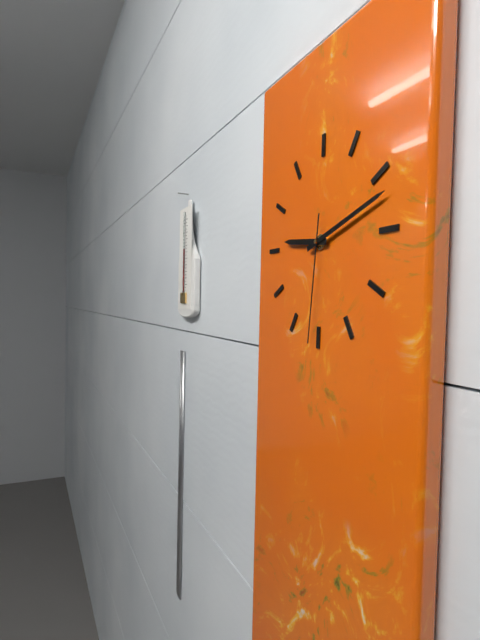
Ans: 9:12:31
